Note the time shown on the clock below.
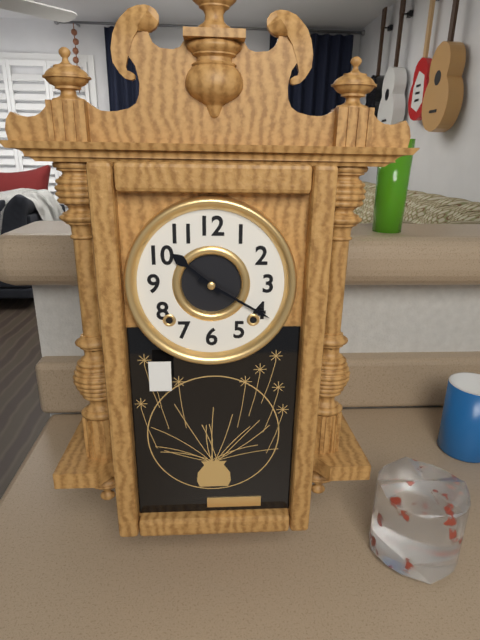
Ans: 10:20
